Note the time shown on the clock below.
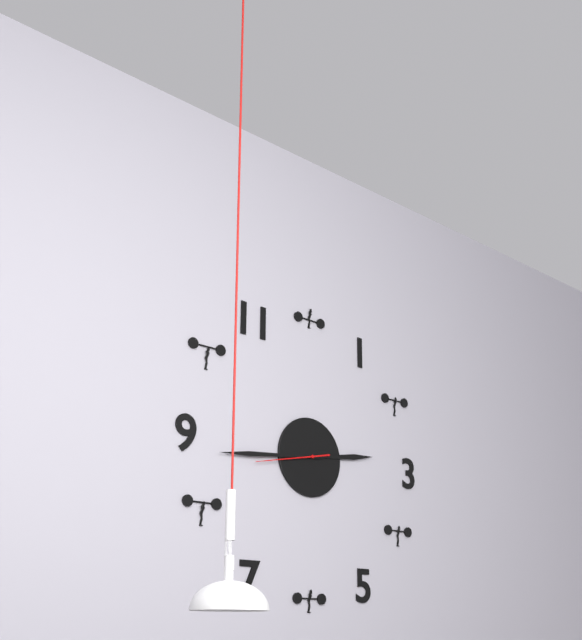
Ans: 2:44:43
